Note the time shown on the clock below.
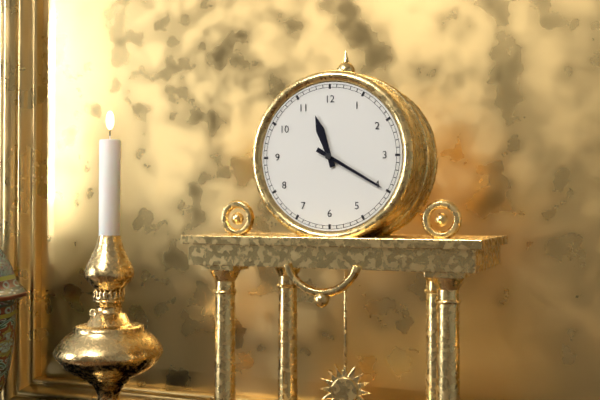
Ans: 11:20
